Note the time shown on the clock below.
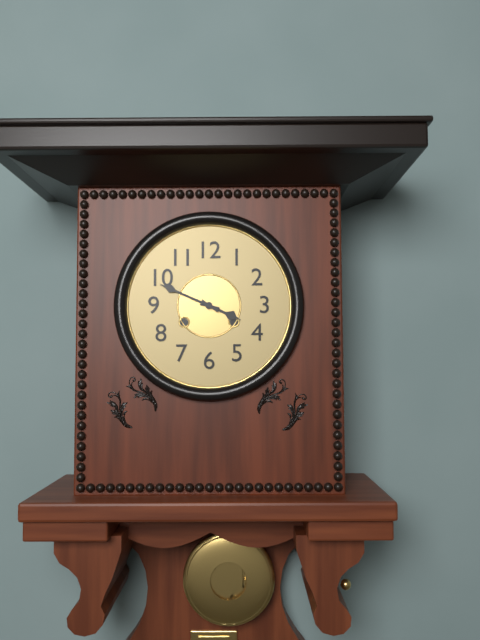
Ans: 3:49
